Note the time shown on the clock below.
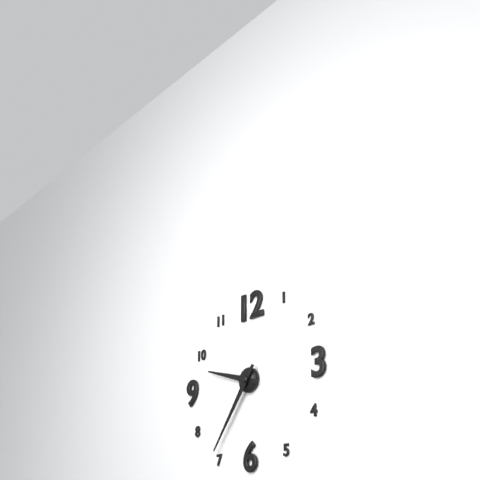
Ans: 9:36
